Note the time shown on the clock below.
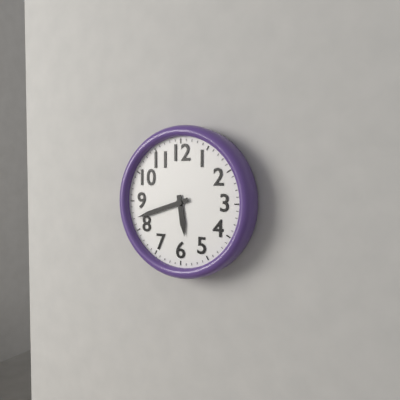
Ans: 5:42
